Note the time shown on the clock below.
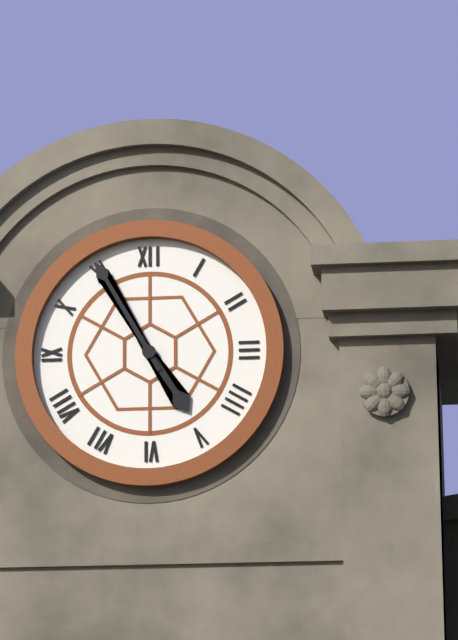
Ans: 4:55
